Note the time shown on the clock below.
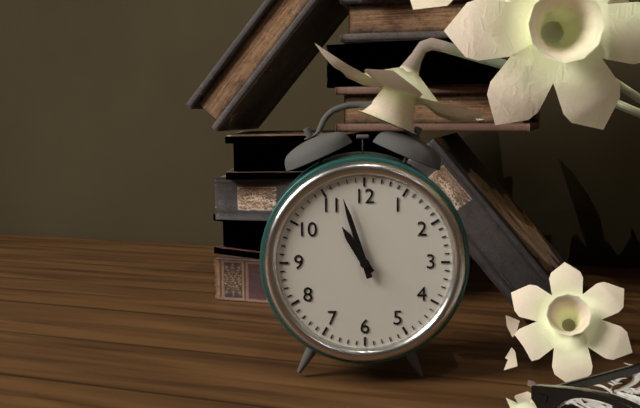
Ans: 10:57
